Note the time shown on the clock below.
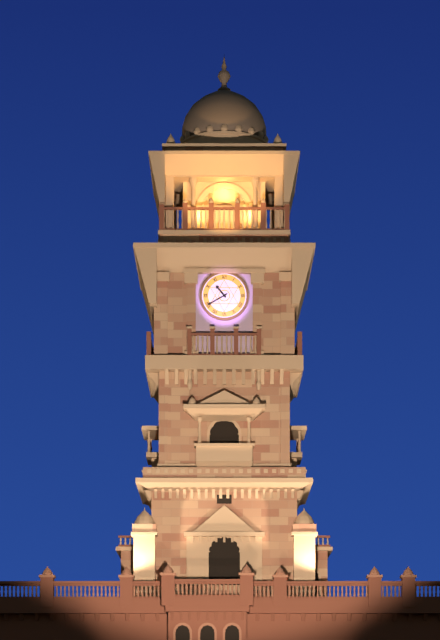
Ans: 10:40
